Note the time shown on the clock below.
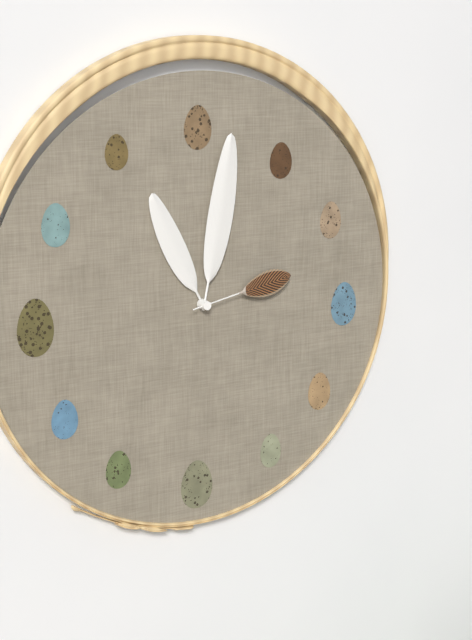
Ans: 11:02:13
